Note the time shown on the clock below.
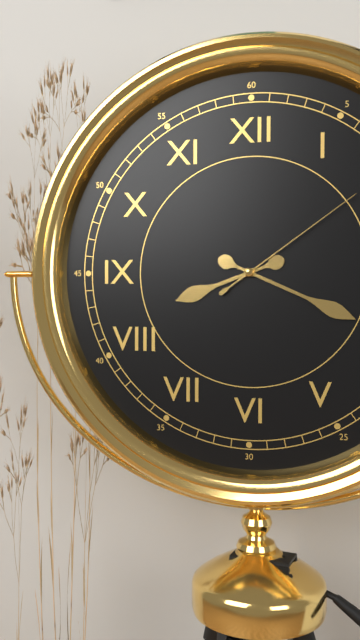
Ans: 8:19:09
